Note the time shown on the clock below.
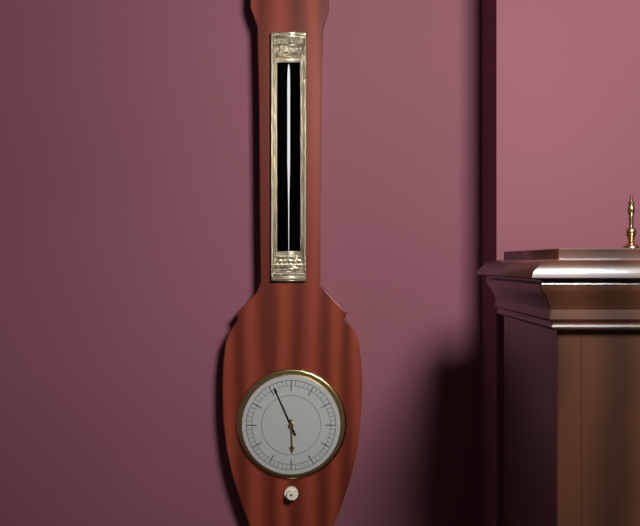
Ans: 5:56
